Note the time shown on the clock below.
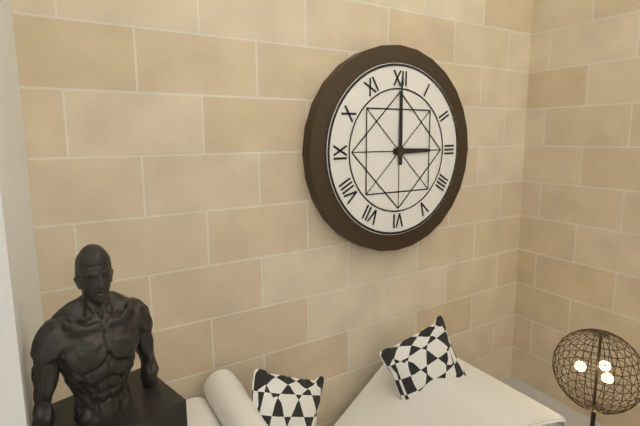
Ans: 3:00
